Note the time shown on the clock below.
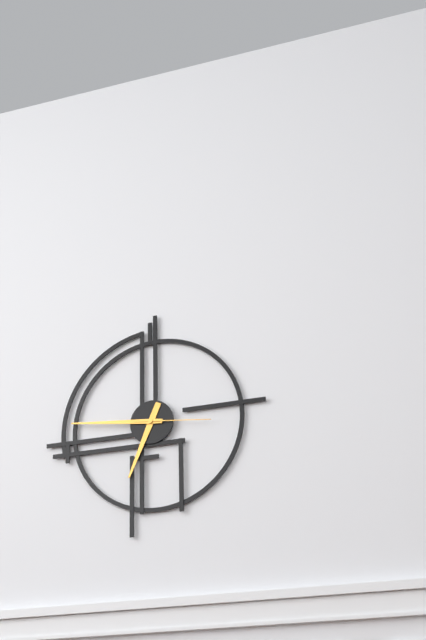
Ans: 6:46:16
